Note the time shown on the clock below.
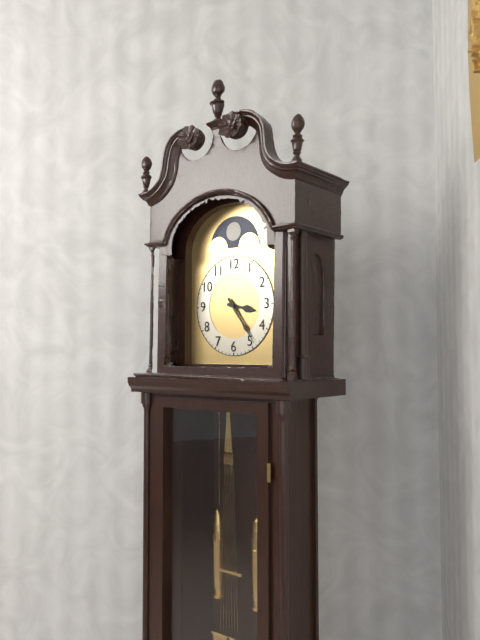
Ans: 3:24
